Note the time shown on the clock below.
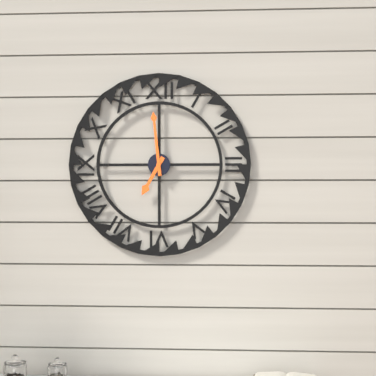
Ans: 6:59
